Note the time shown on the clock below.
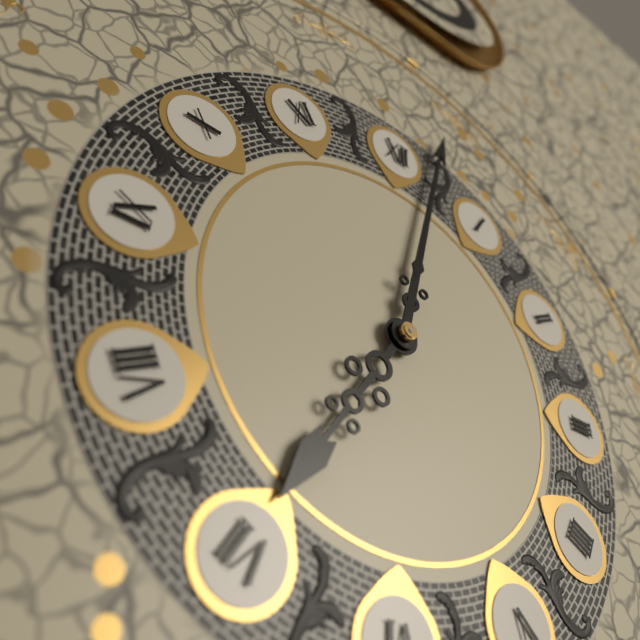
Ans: 7:02
